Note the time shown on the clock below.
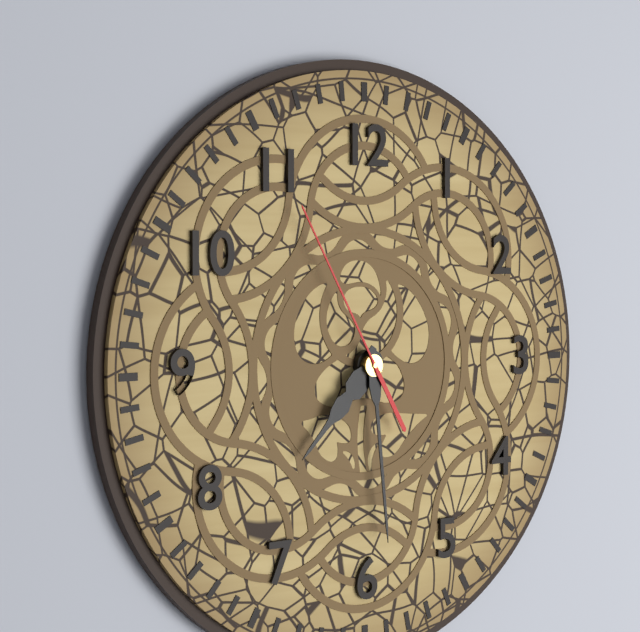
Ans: 7:29:55
